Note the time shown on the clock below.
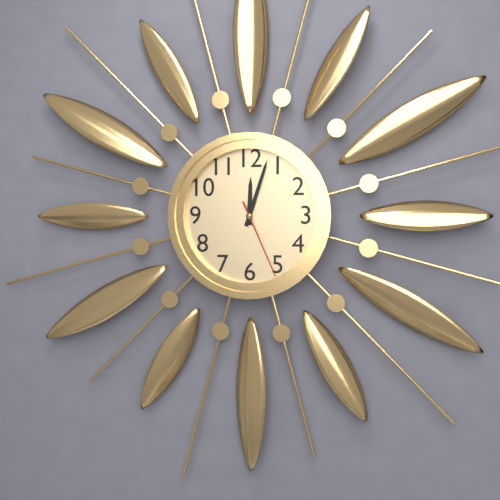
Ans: 12:03:26
